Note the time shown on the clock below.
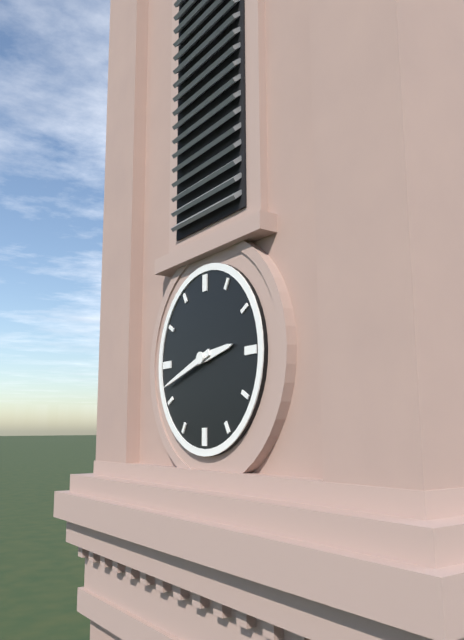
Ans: 2:42
